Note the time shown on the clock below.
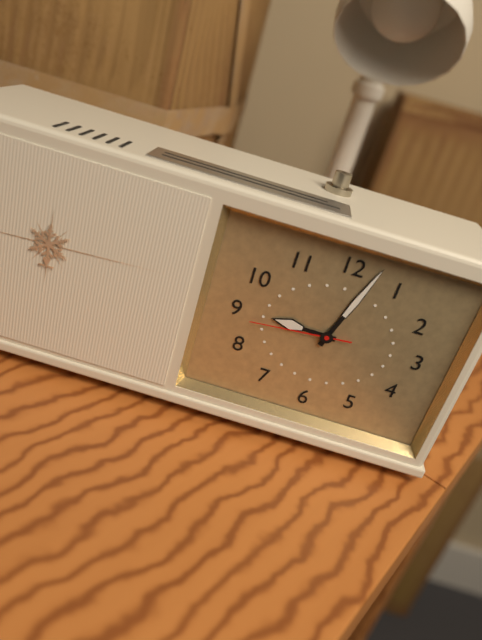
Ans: 9:03:44
